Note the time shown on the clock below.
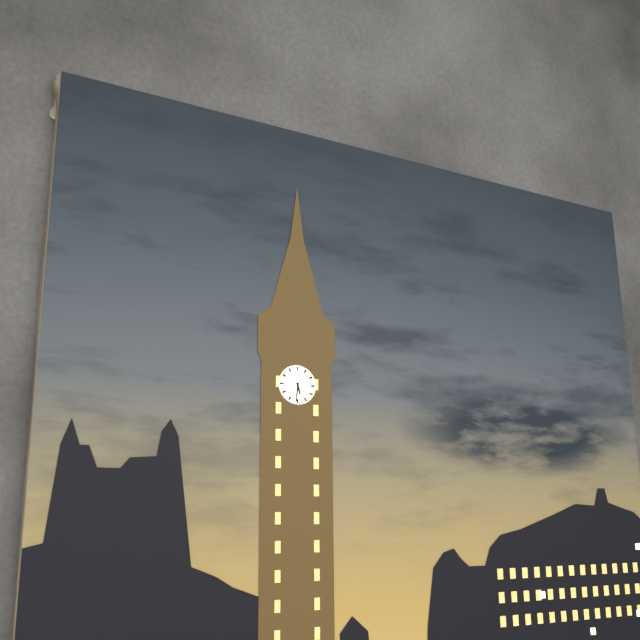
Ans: 5:31
